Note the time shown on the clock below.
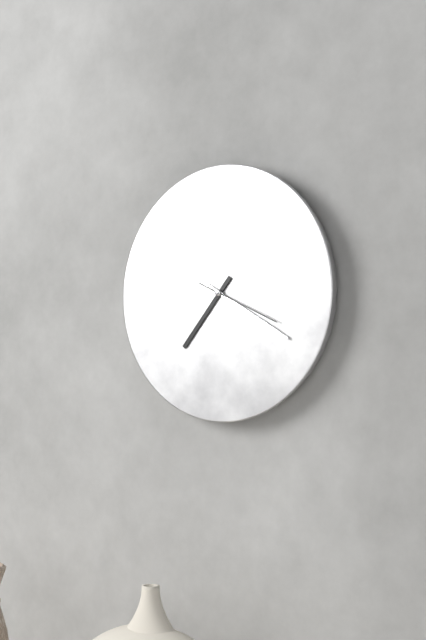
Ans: 7:20:19
